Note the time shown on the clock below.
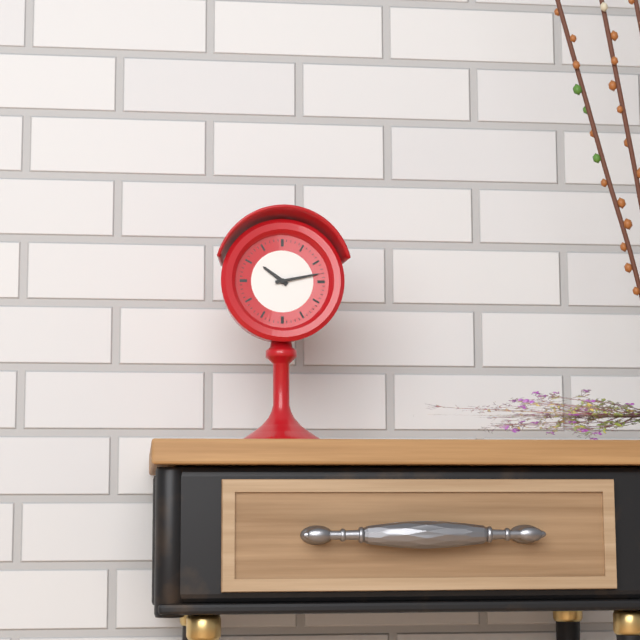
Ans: 10:13
